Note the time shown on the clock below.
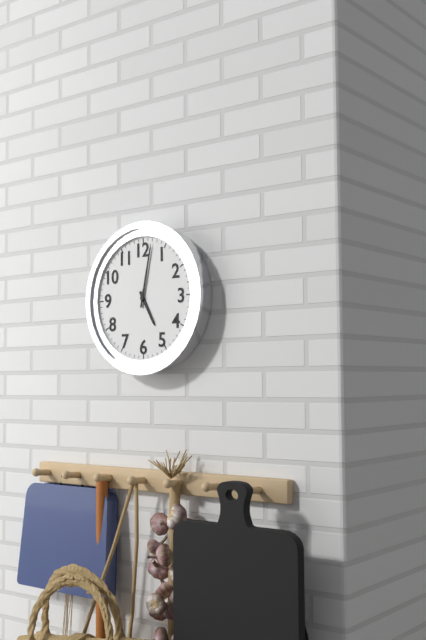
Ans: 5:02
